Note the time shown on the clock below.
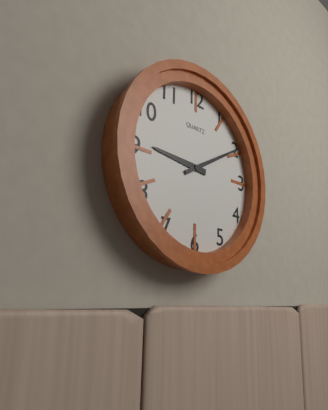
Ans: 9:10
